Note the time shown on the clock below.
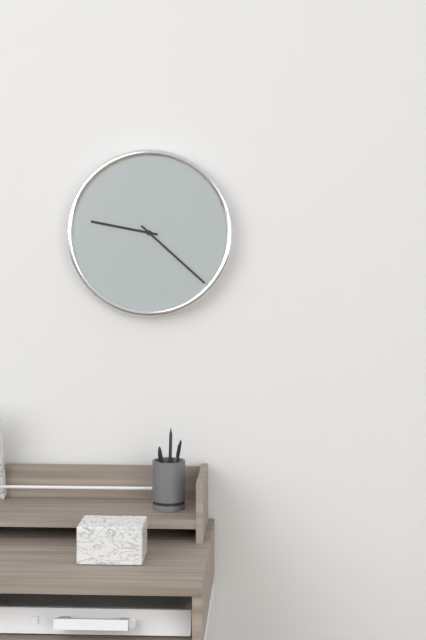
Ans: 9:22
